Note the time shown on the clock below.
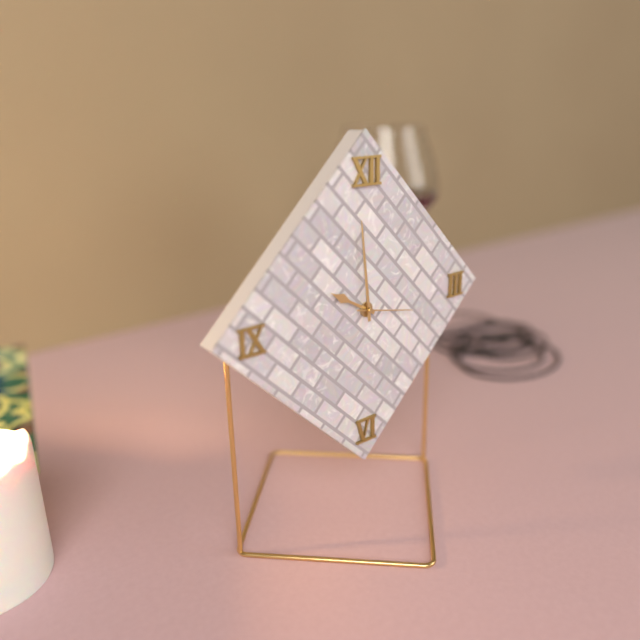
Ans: 9:59:17
